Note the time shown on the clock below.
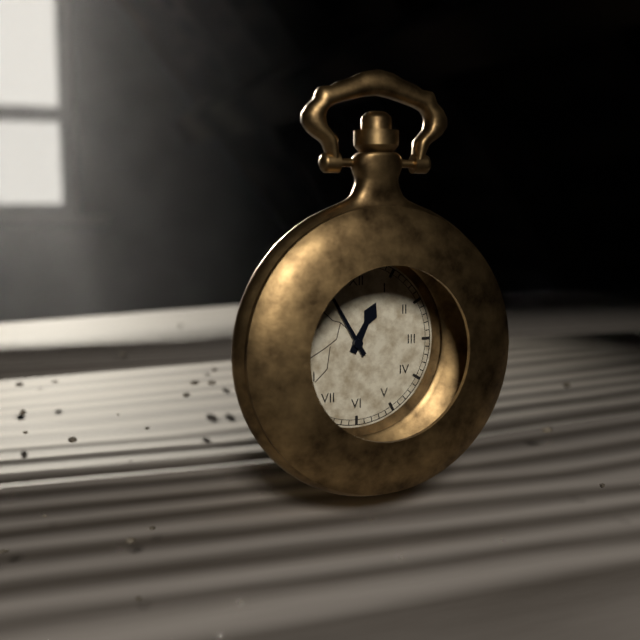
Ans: 12:55
